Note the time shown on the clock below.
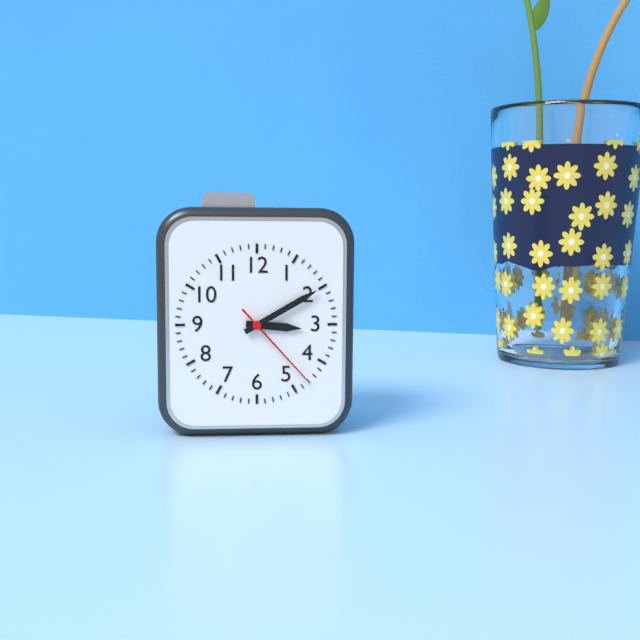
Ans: 3:10:23
